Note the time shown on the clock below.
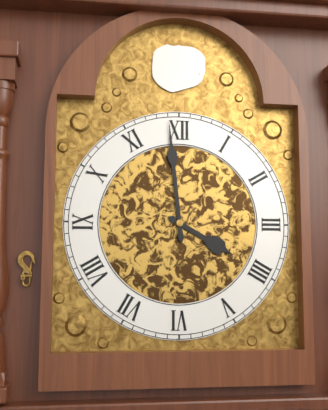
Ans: 3:59
